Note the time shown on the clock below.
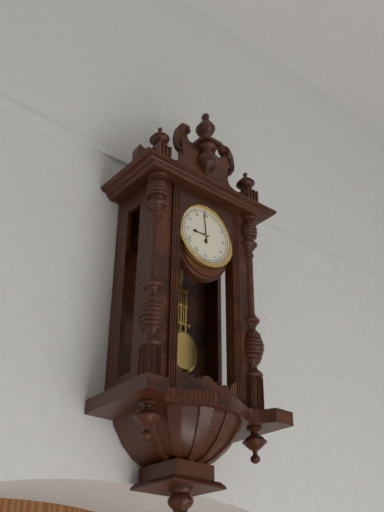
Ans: 8:59
